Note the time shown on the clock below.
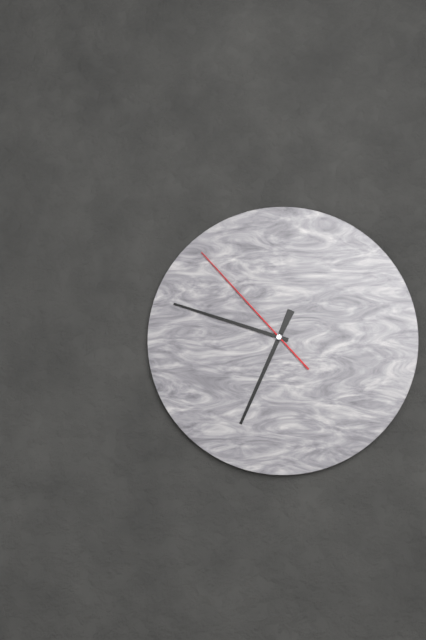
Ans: 6:48:53
